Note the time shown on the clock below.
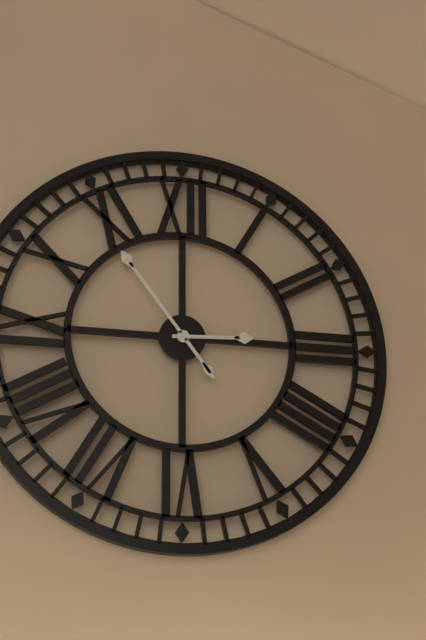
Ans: 2:54
